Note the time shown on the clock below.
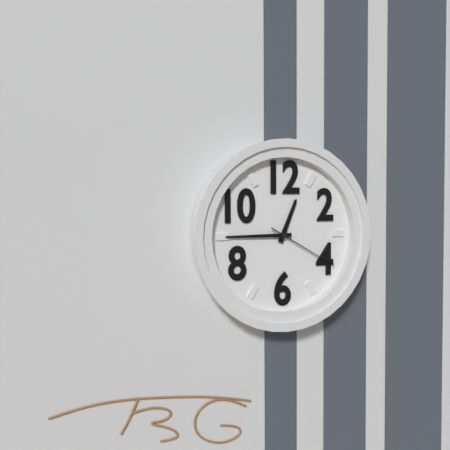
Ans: 12:45:20
